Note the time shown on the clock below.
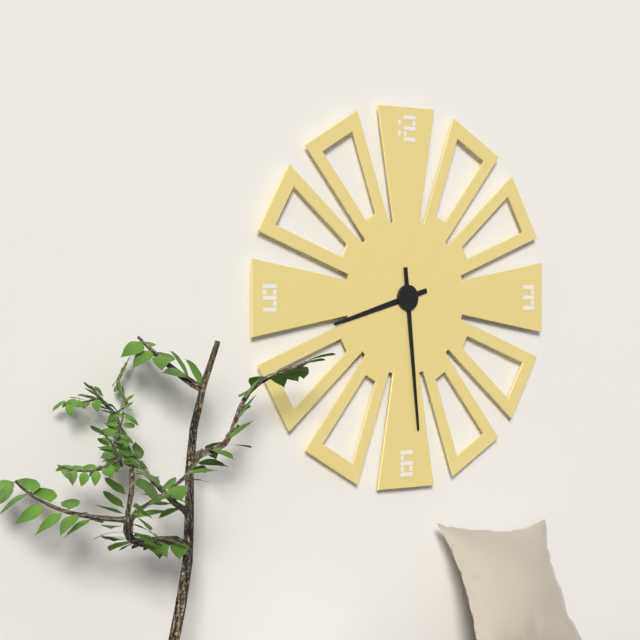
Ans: 8:29
